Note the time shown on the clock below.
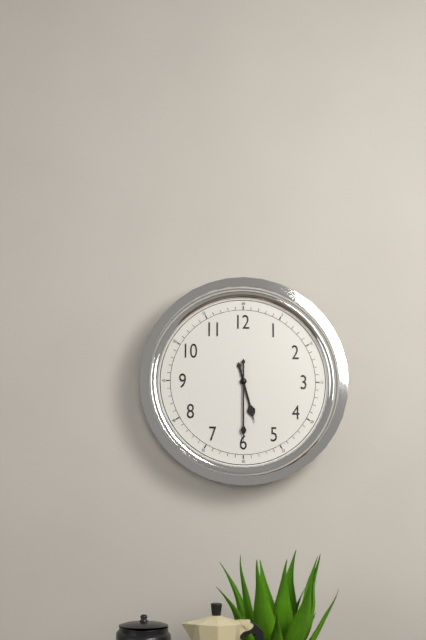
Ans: 5:30
